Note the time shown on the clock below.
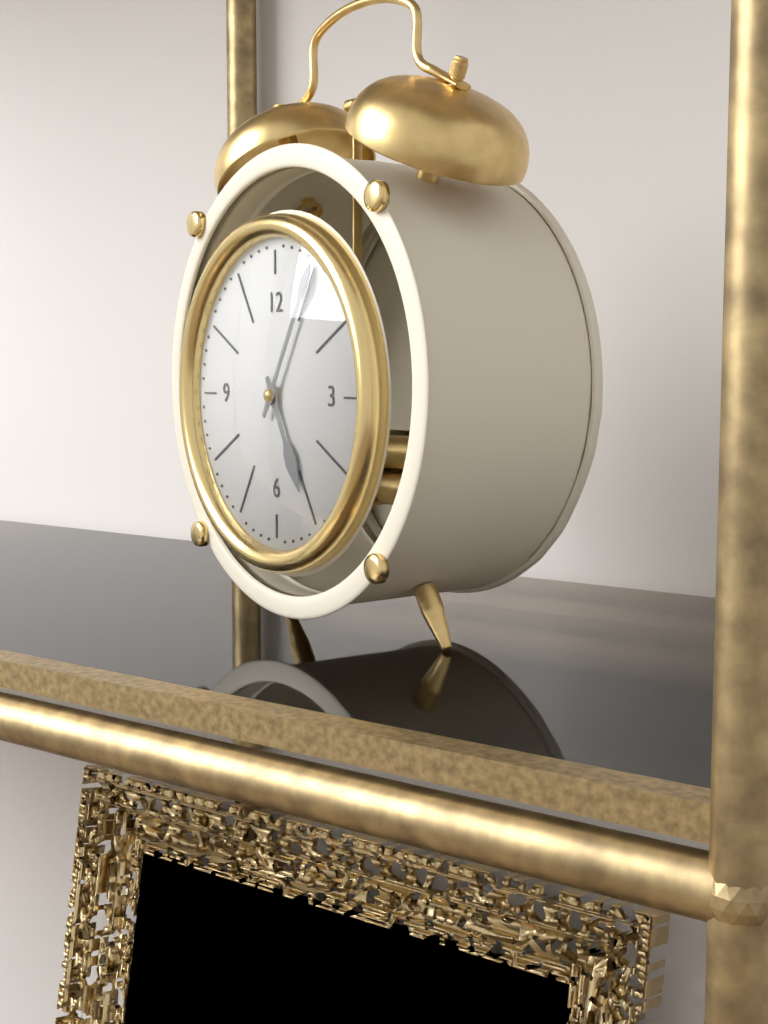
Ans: 5:05
